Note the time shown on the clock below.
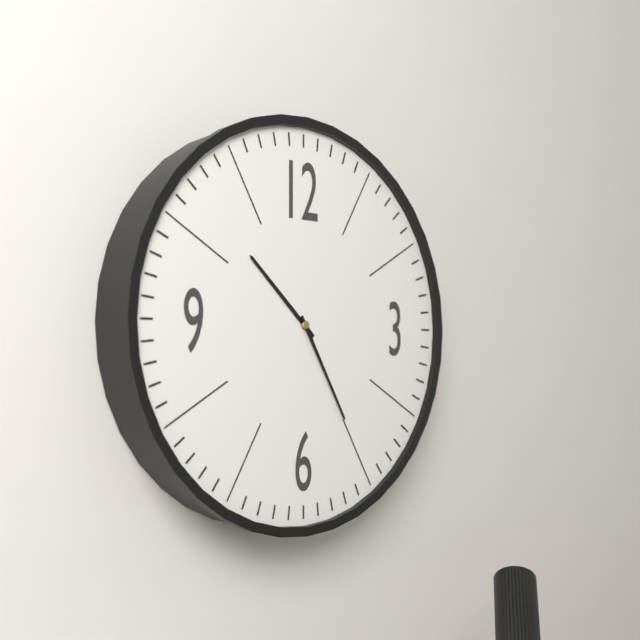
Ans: 10:25
